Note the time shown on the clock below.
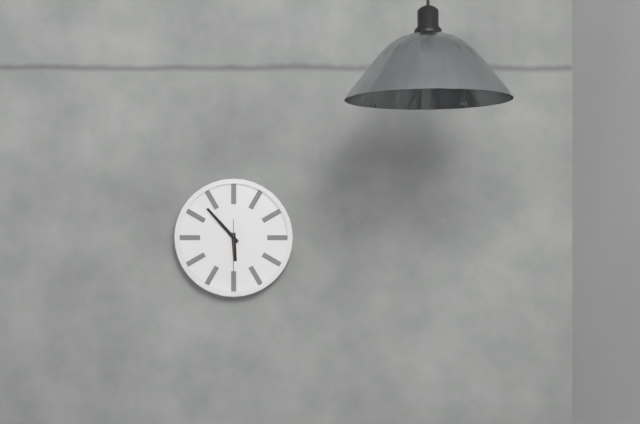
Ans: 5:53:30
